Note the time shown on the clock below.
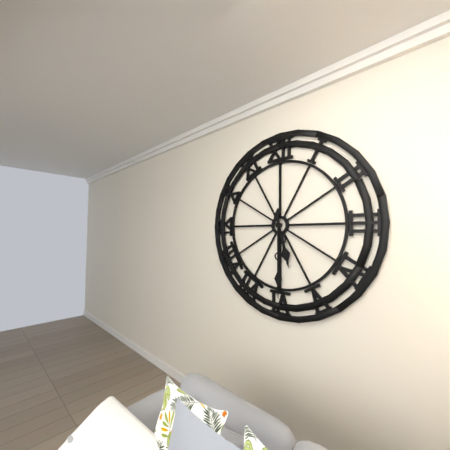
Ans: 5:30
